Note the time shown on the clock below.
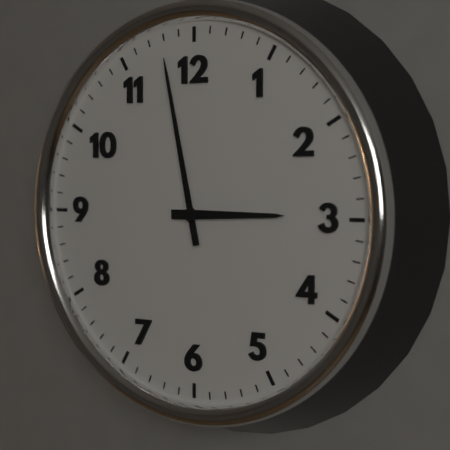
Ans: 2:58
